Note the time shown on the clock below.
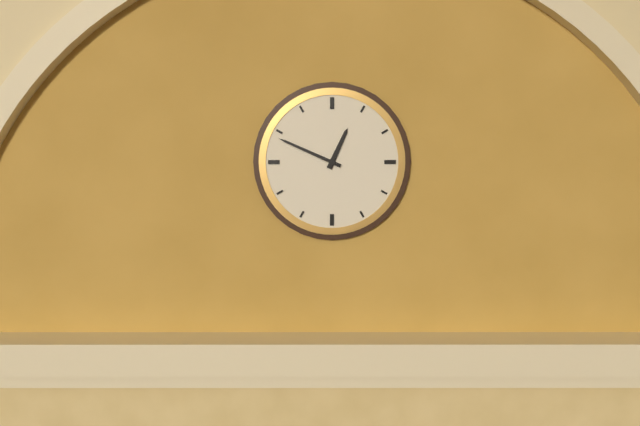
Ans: 12:49
